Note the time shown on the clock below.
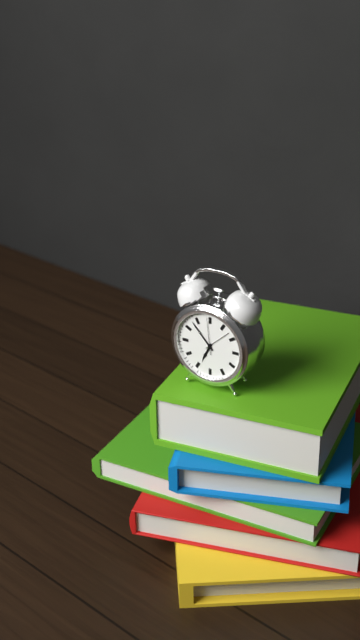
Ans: 6:53
